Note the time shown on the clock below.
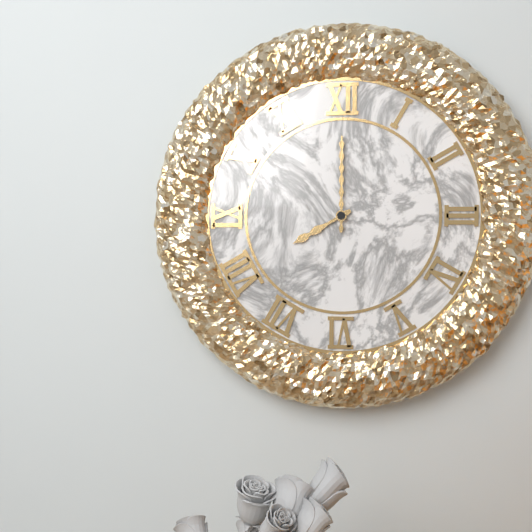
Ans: 8:00
